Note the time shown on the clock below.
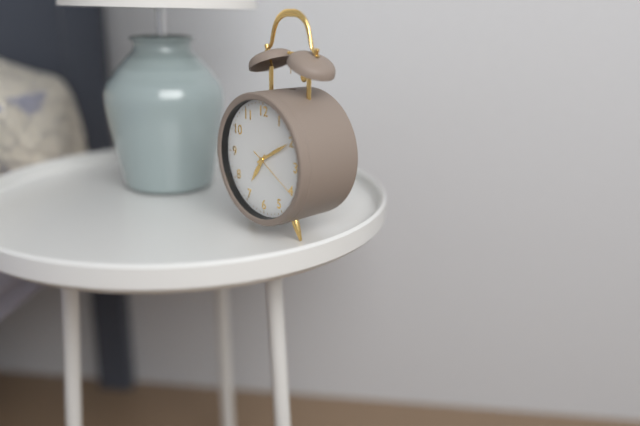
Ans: 7:10:20
